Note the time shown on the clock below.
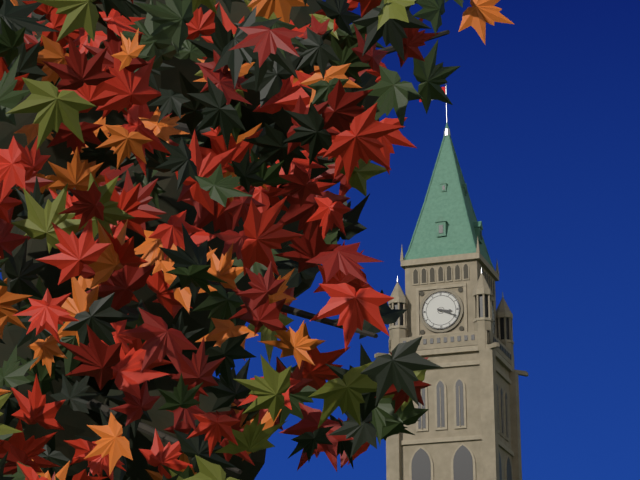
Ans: 3:19
